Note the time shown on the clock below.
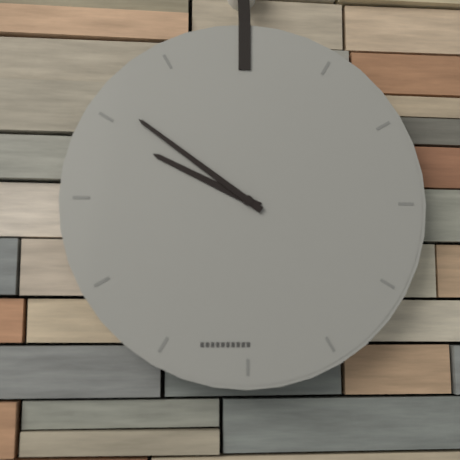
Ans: 9:51
